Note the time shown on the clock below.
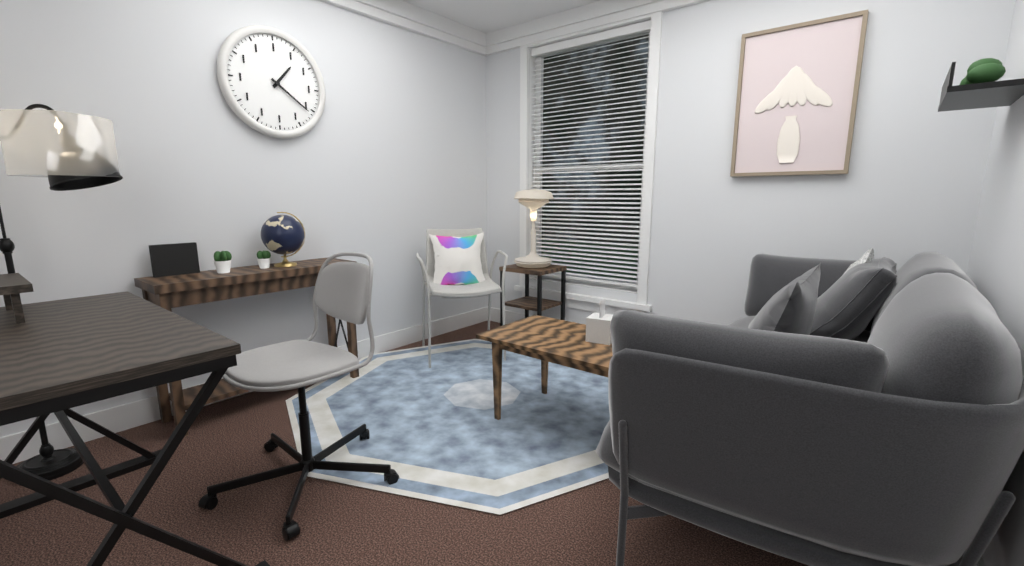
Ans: 1:21
